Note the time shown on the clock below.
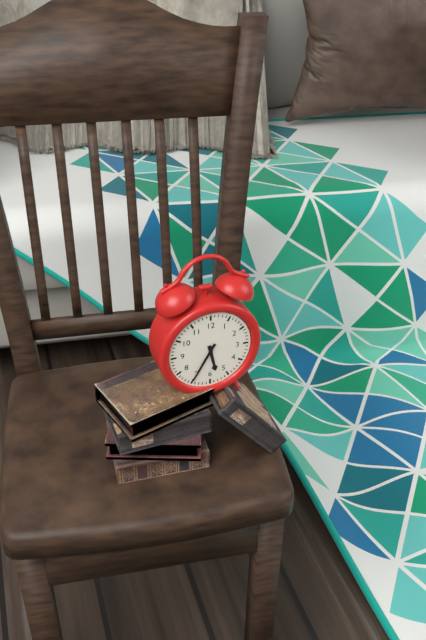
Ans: 5:35
